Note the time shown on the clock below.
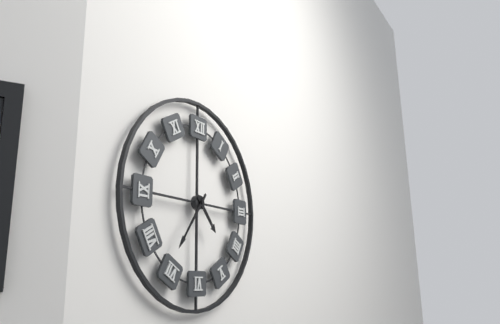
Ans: 4:36
